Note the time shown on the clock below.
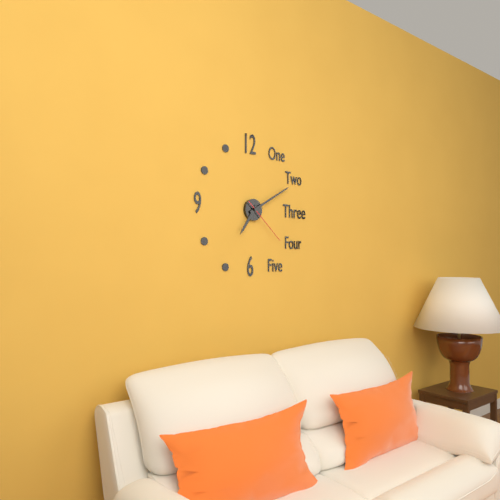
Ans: 7:10:22
